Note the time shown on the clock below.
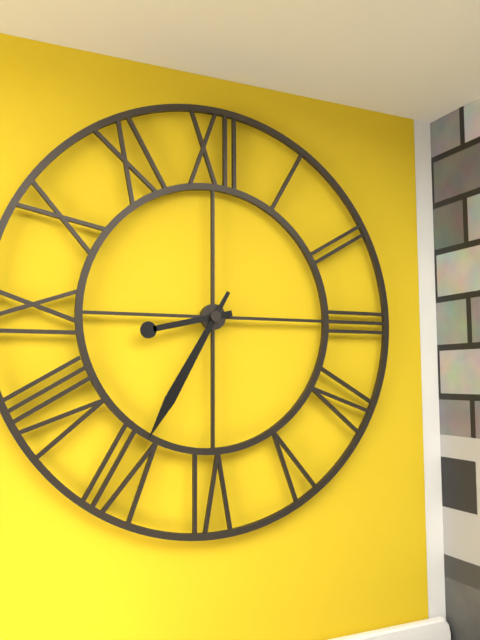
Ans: 8:35
